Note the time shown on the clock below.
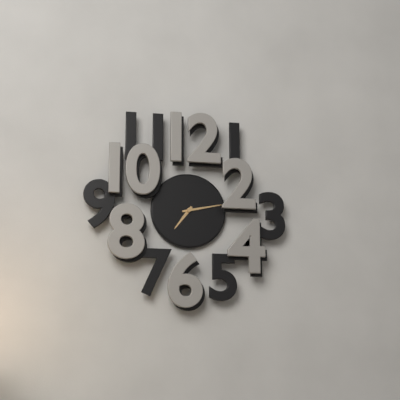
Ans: 7:13
